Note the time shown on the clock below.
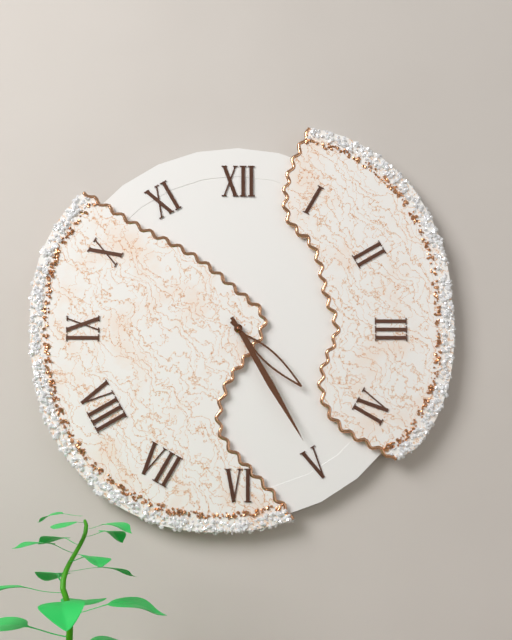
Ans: 4:25
